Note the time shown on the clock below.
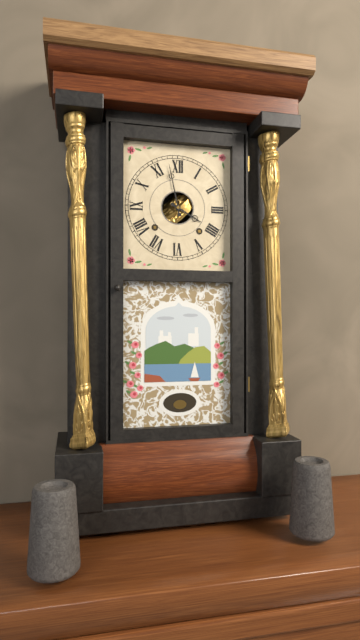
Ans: 3:58
